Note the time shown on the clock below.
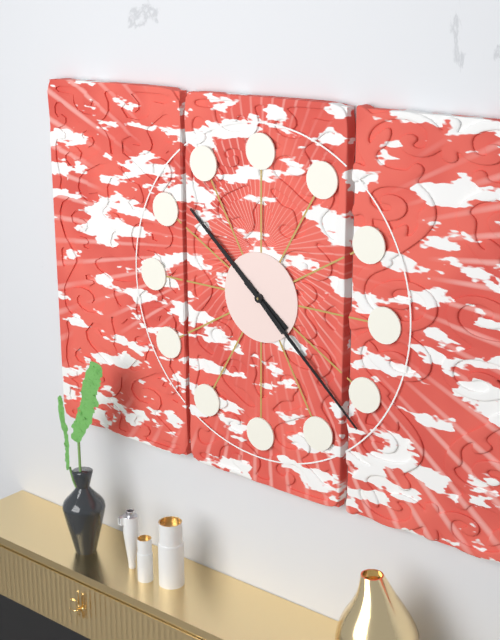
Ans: 10:22
